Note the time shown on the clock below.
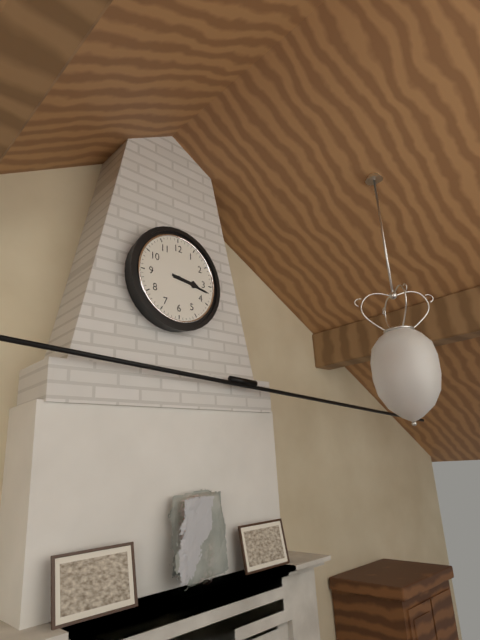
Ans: 3:17
